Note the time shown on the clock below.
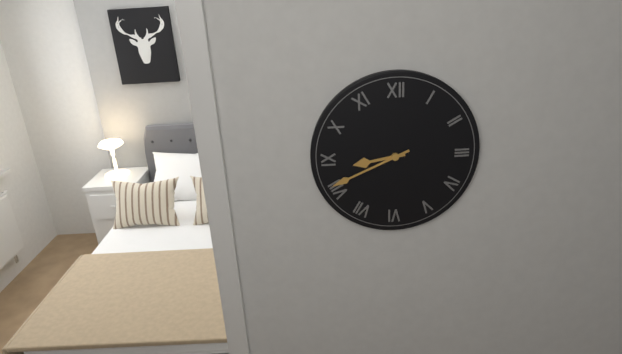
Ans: 8:41
